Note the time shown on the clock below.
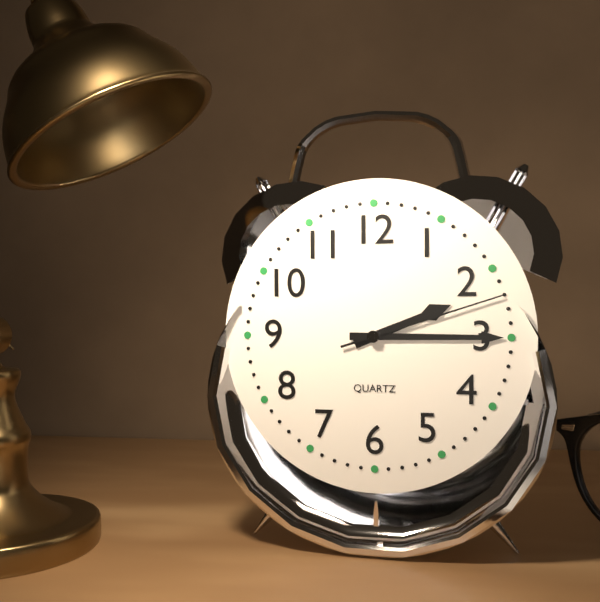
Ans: 2:15:12
